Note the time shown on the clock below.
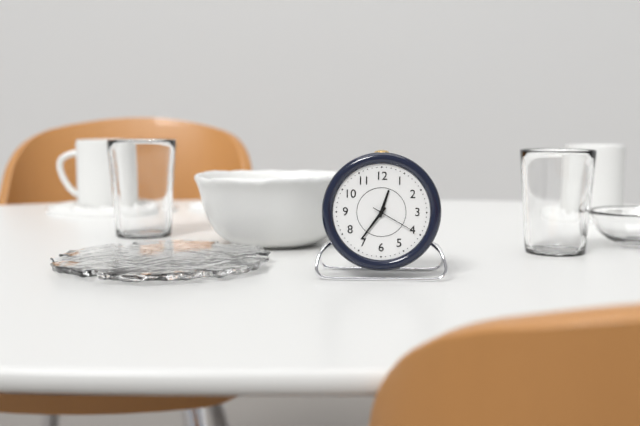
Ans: 12:36
